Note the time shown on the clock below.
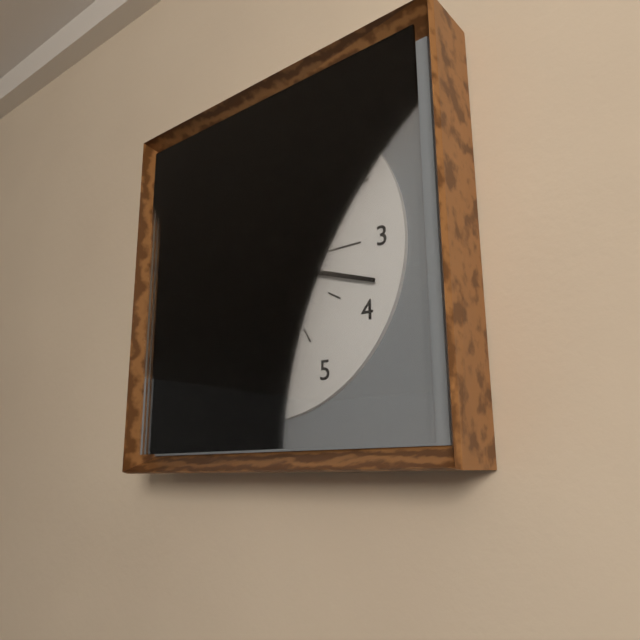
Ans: 8:18:43
